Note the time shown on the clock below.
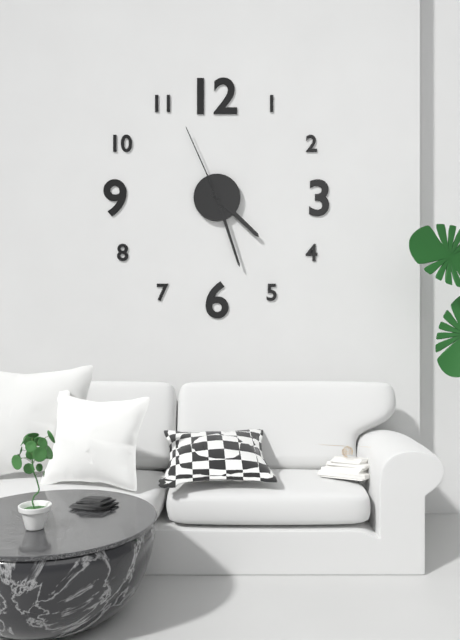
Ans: 4:27:56
